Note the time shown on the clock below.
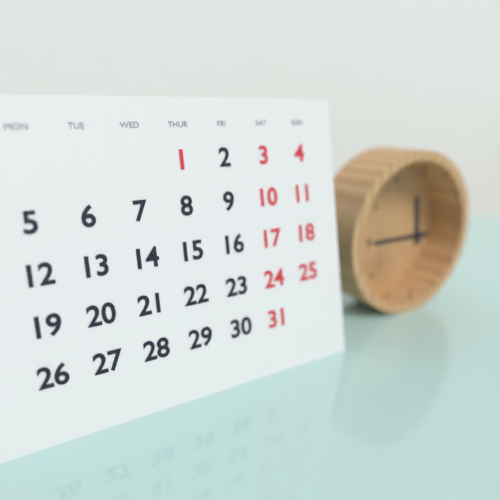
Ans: 11:45
